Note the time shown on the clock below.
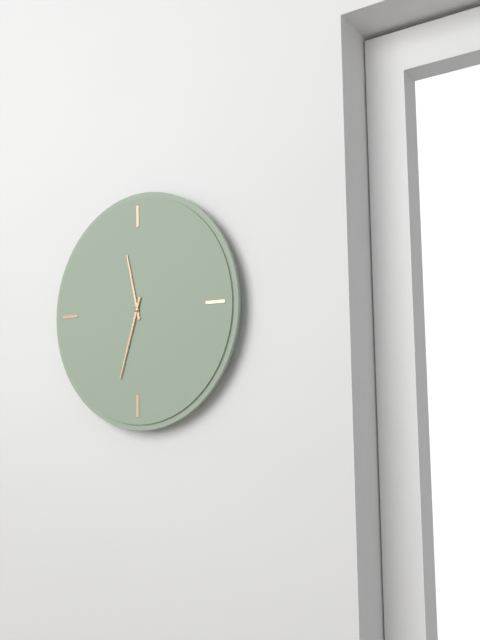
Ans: 11:33
